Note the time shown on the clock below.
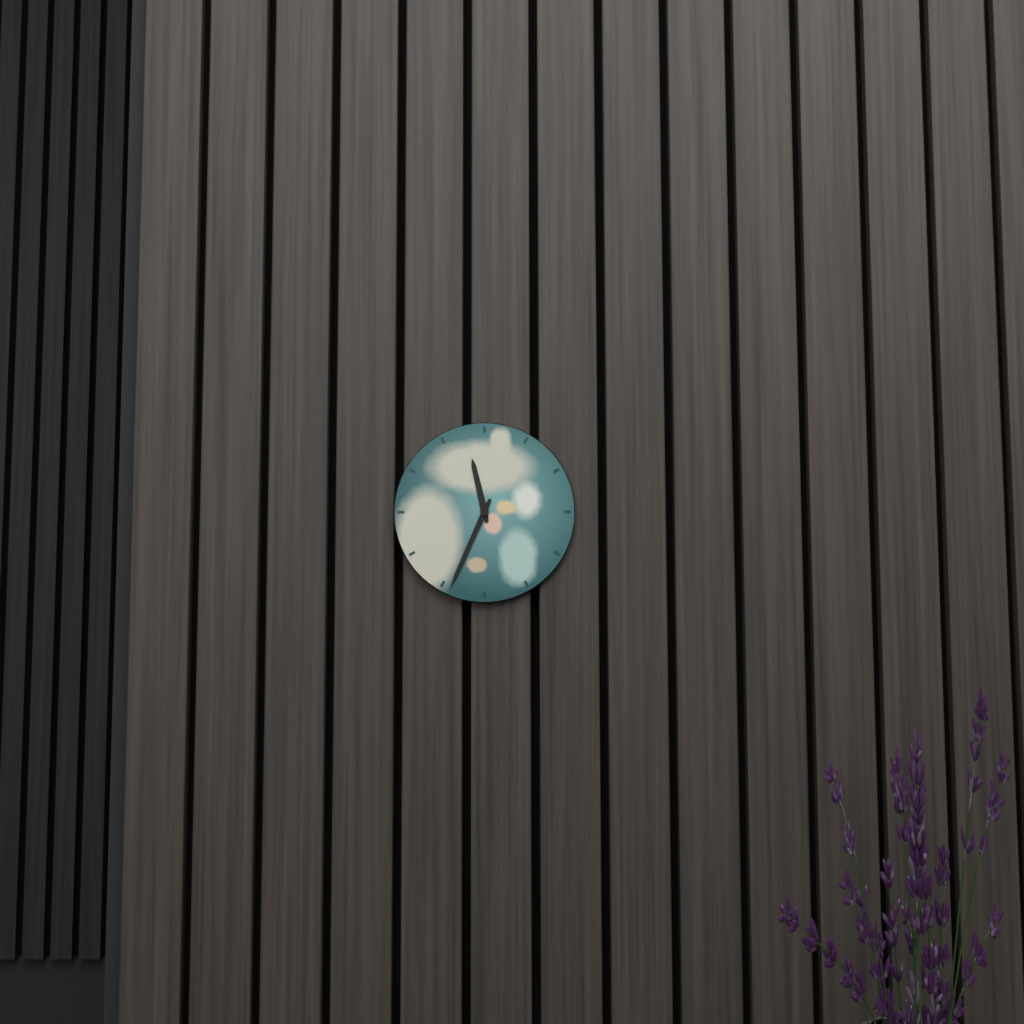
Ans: 11:34
